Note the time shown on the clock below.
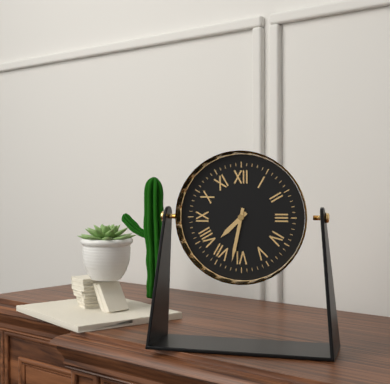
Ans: 7:32
